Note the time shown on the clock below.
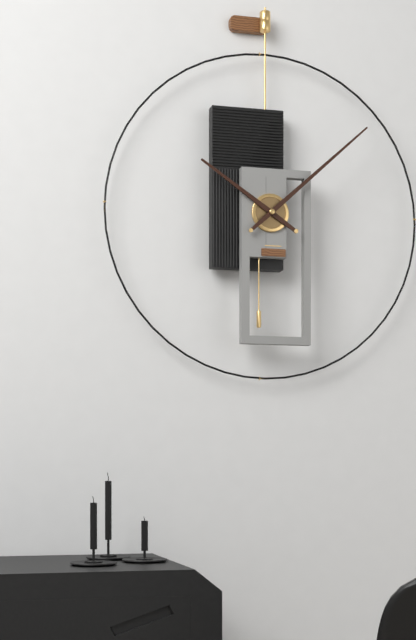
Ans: 10:08
